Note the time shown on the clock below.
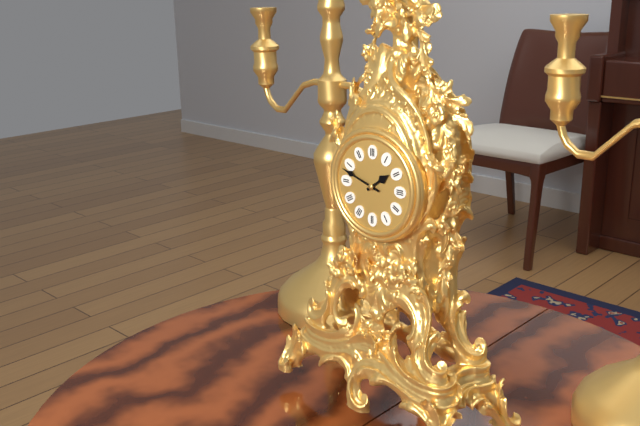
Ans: 1:48
